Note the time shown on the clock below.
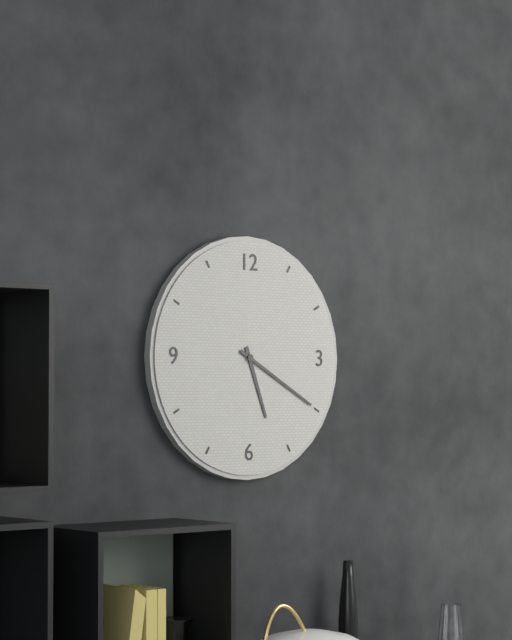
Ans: 5:20
